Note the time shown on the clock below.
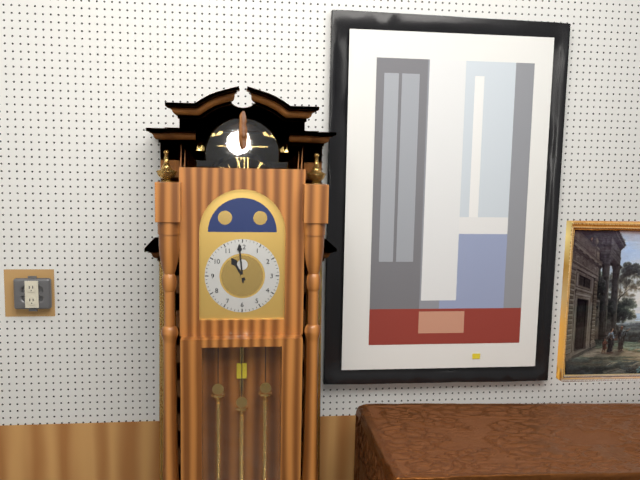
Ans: 10:59
